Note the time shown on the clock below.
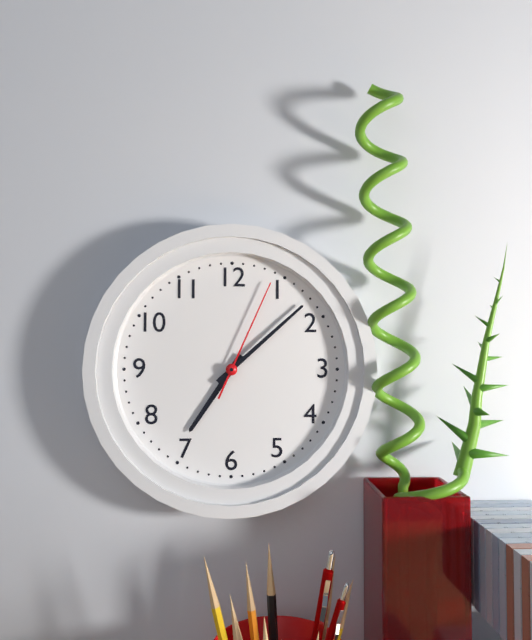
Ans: 7:08:04
